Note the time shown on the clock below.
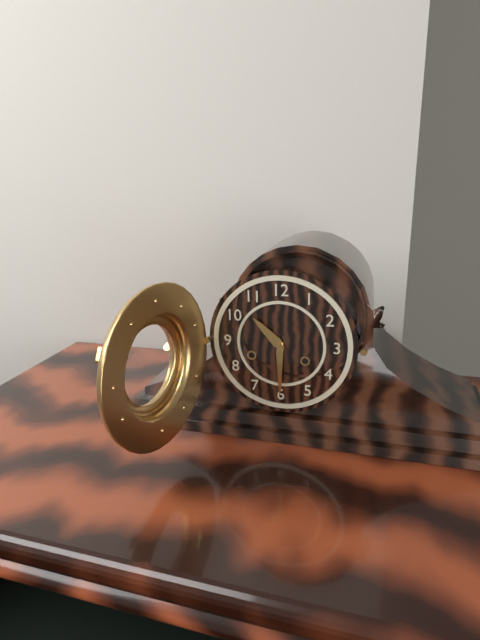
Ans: 10:30
